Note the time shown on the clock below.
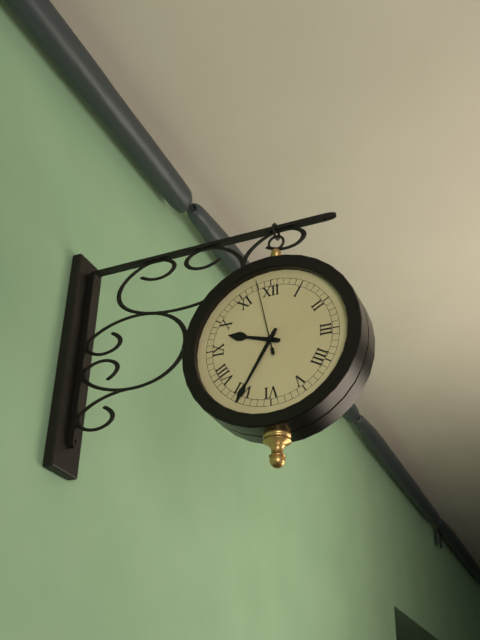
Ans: 9:35:58
